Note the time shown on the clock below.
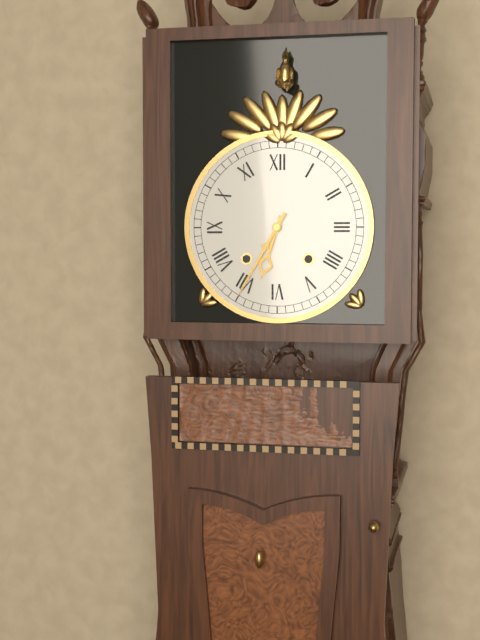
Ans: 6:35
